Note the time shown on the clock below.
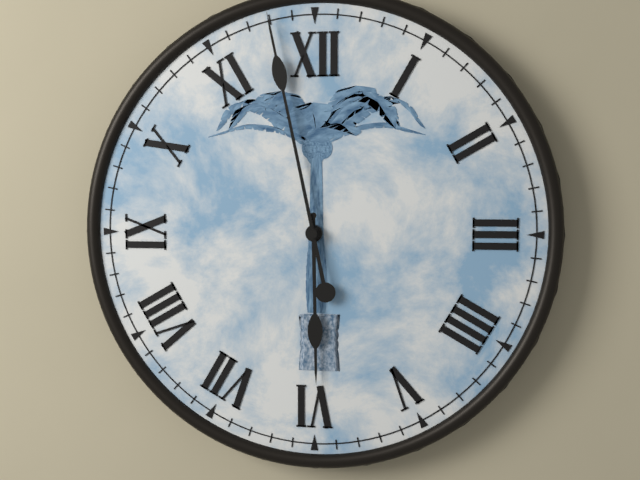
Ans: 5:58
